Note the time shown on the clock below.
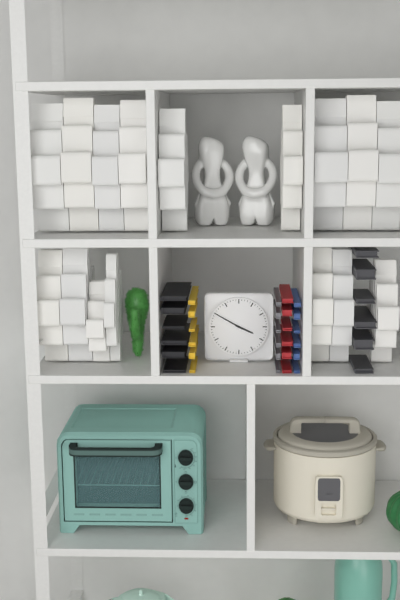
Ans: 3:50
